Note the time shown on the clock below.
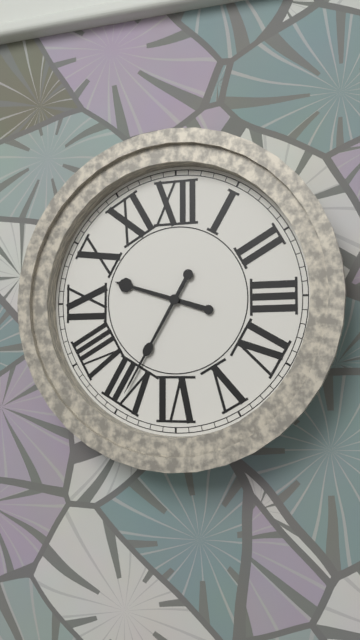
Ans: 9:35
